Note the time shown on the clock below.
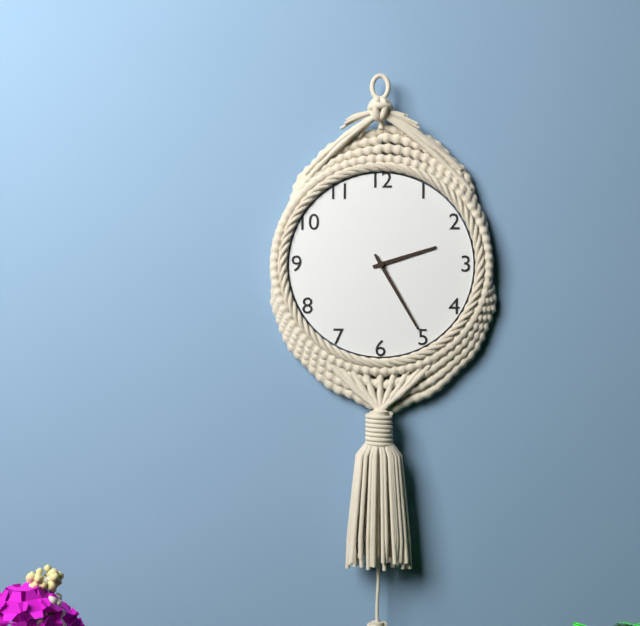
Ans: 2:25
